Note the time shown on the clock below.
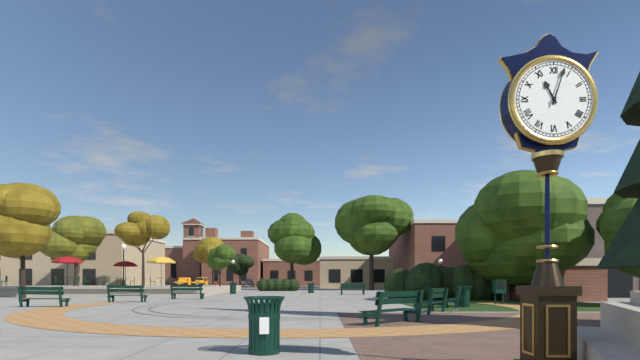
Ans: 11:03
